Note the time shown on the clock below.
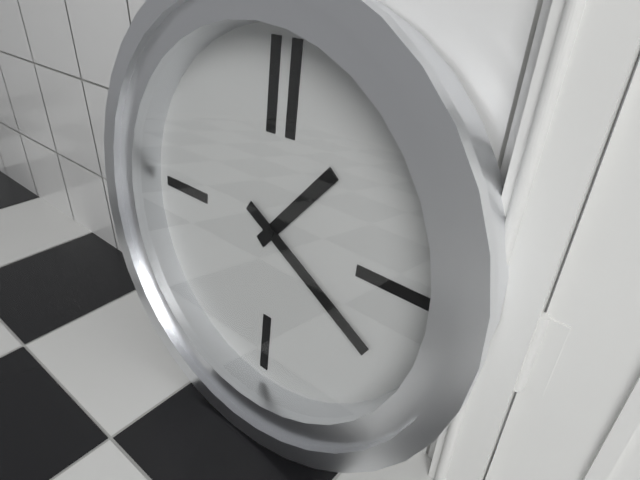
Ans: 1:20
